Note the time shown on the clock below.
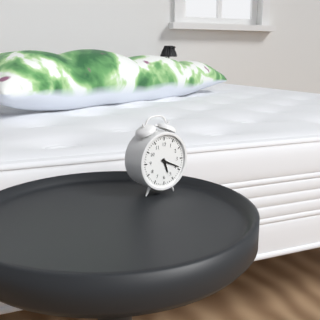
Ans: 5:19
